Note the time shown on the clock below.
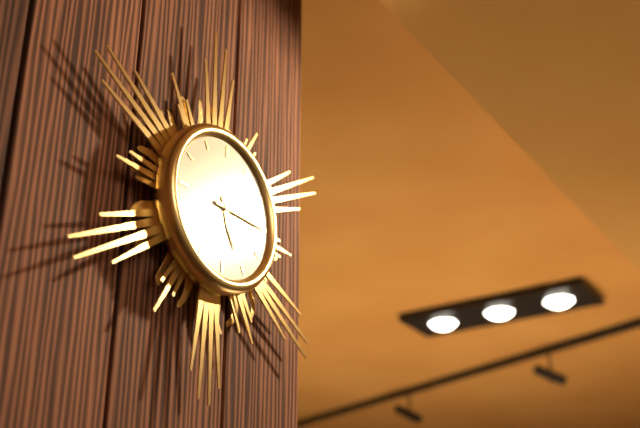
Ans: 5:15
